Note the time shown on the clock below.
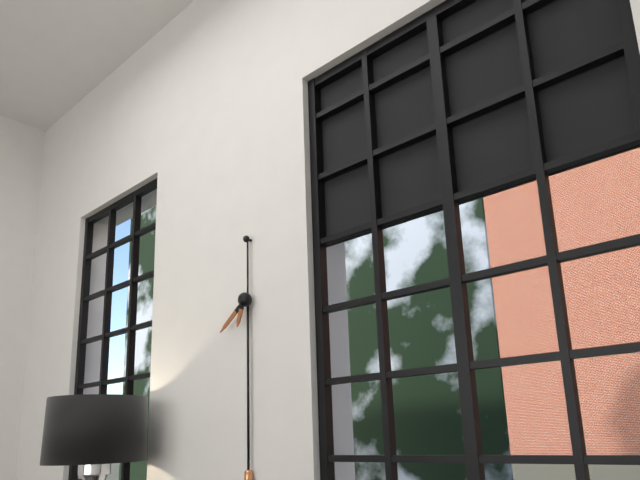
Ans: 6:39
